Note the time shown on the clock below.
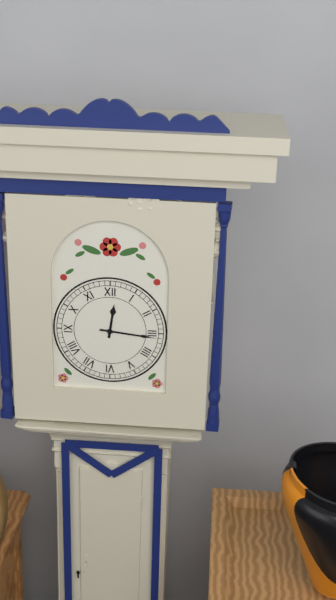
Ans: 12:16
